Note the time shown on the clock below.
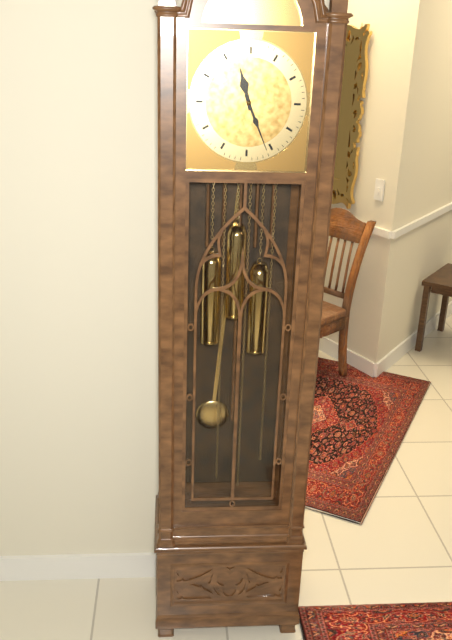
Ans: 11:26
